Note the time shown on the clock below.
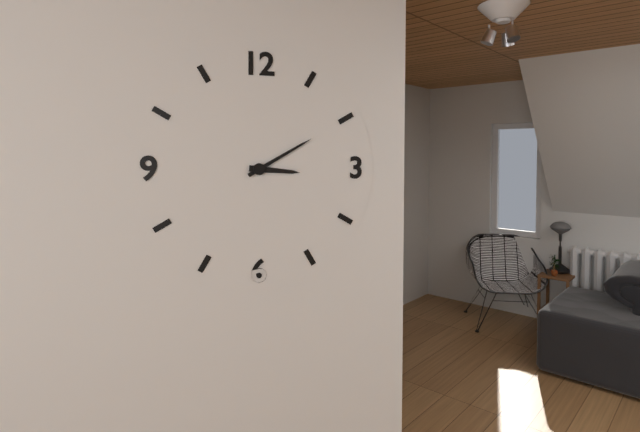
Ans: 3:10
